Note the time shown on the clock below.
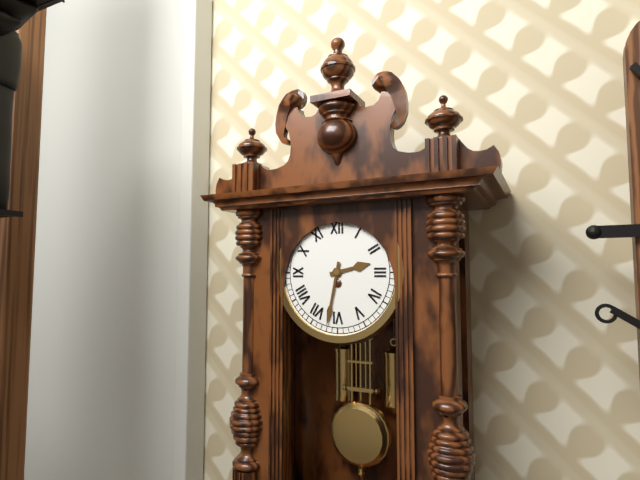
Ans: 2:32
